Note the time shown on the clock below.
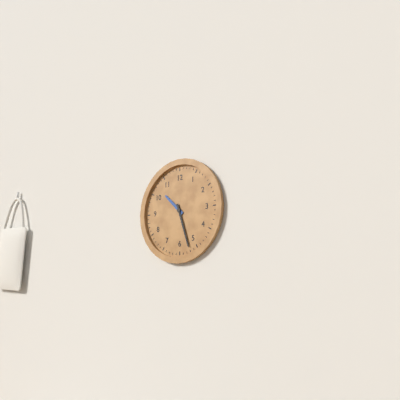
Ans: 10:27
